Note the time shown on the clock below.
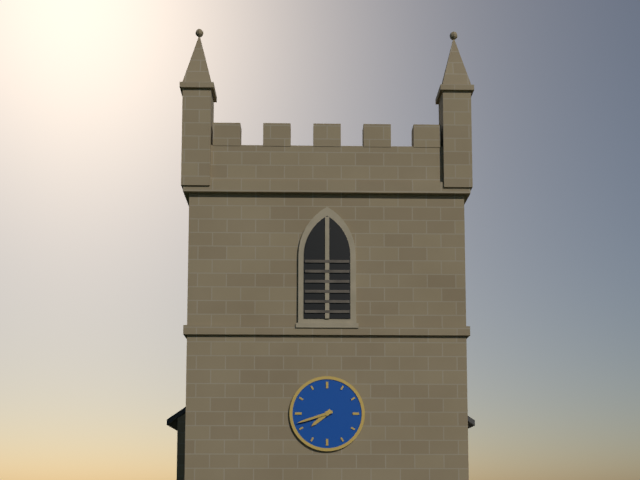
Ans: 7:42
